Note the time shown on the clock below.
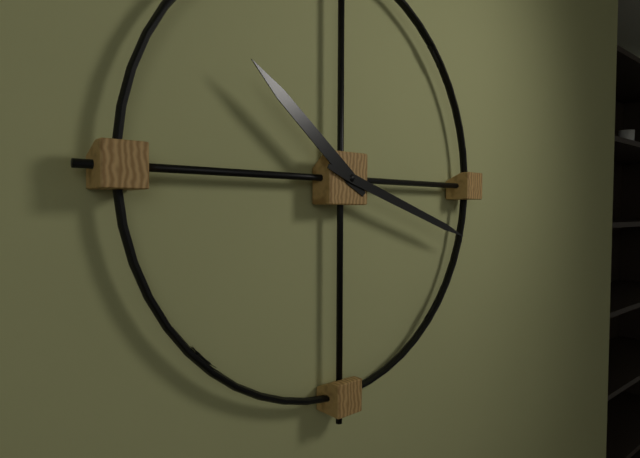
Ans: 10:18
